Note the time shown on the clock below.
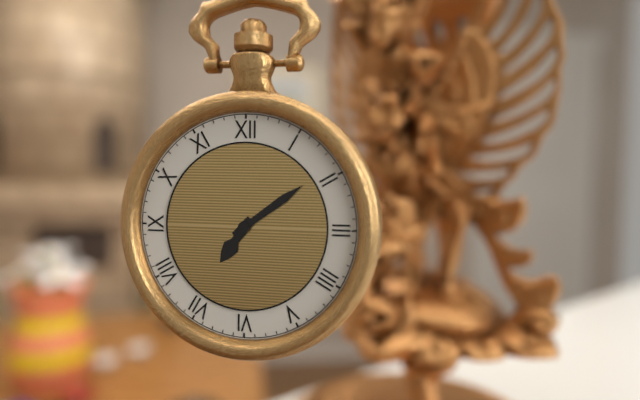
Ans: 7:09
